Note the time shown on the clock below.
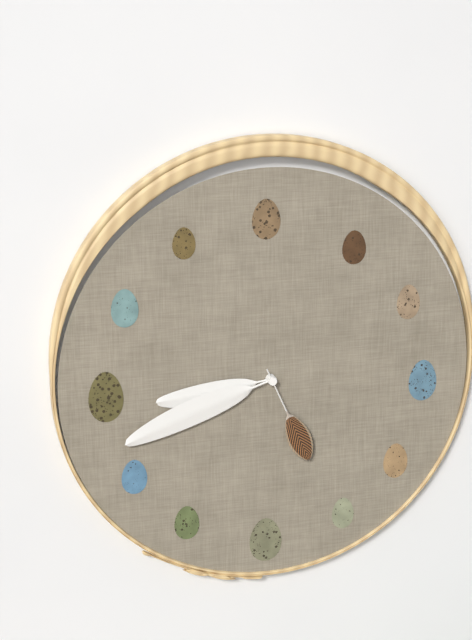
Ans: 8:42:26
